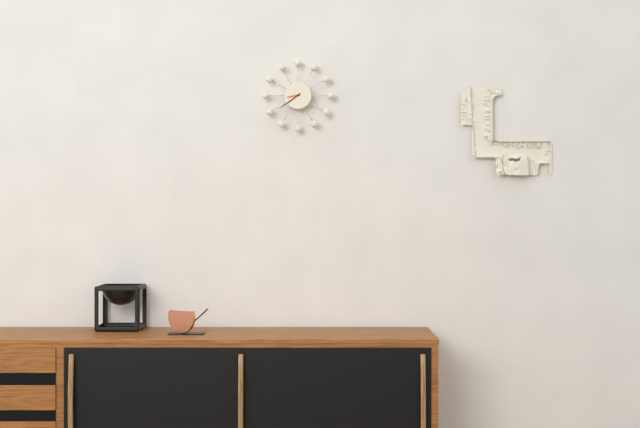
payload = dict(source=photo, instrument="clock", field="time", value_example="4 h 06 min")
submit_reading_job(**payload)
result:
8 h 39 min
